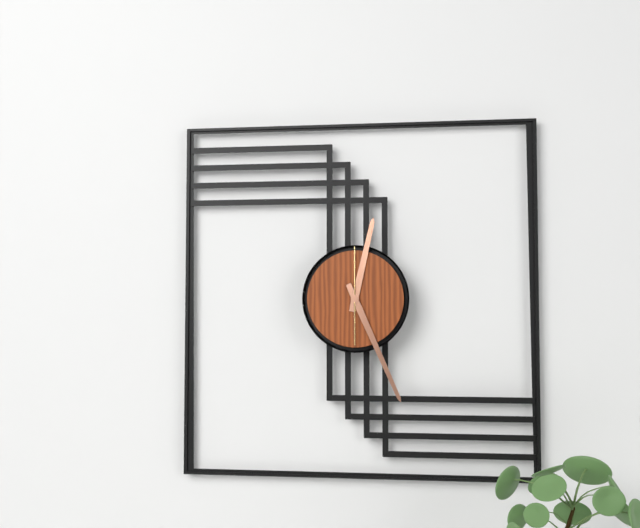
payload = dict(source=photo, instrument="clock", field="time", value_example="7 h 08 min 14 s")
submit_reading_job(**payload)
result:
12 h 26 min 00 s
